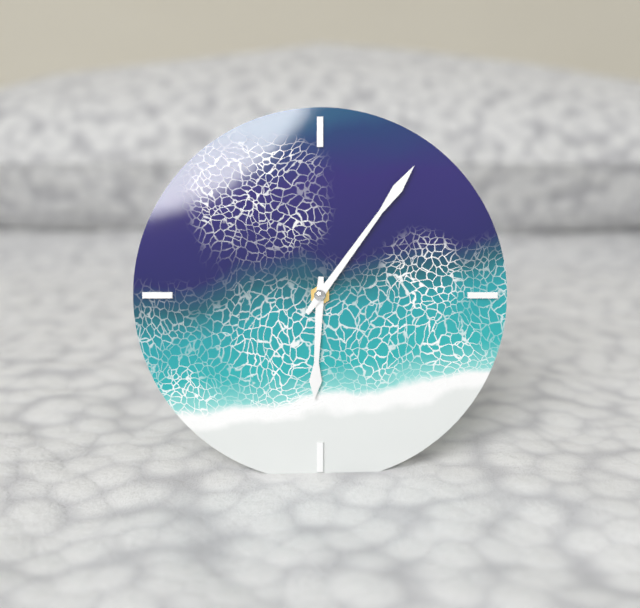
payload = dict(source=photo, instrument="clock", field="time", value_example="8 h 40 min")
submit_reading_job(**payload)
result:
6 h 06 min
